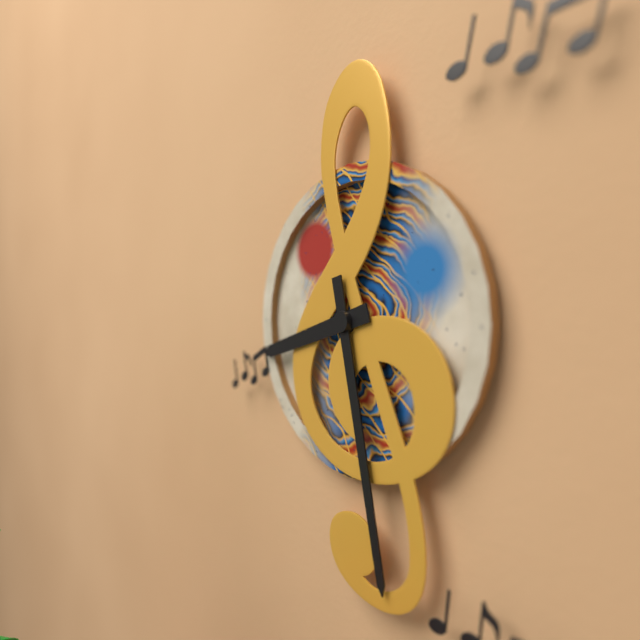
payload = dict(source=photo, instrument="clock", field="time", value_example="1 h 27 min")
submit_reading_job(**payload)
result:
8 h 28 min
